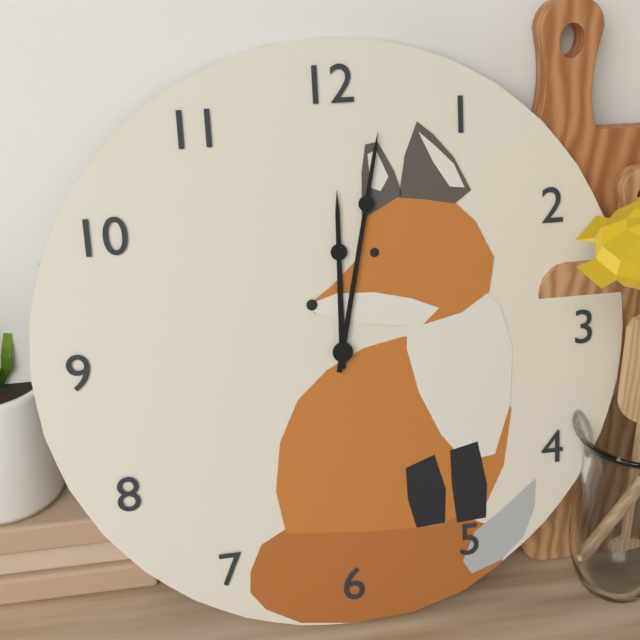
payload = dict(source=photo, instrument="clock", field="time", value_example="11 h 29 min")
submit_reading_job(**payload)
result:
12 h 02 min
